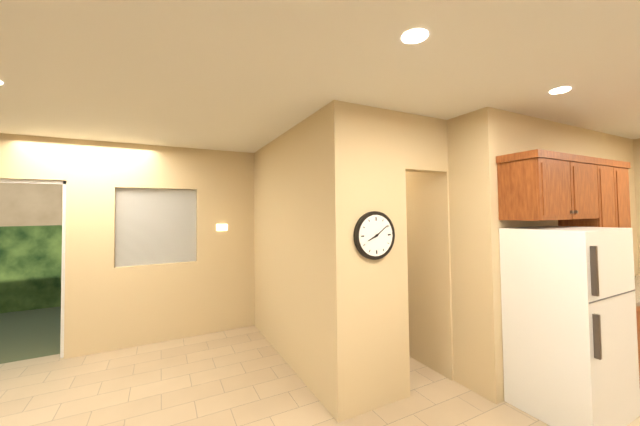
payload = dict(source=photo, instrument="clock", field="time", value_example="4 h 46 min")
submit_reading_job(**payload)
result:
8 h 09 min
